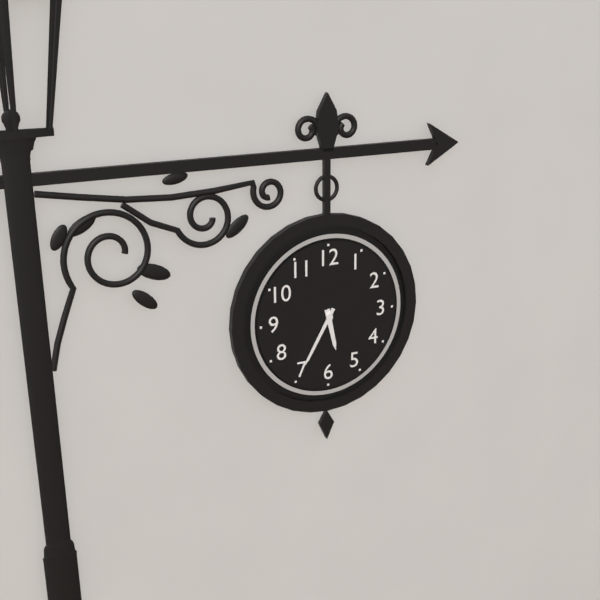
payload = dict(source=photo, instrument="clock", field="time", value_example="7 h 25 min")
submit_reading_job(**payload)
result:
5 h 35 min
